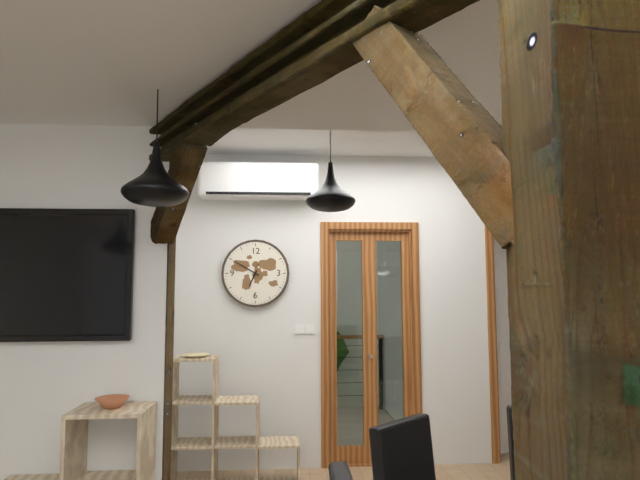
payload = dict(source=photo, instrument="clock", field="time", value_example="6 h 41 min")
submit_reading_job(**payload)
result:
6 h 50 min
